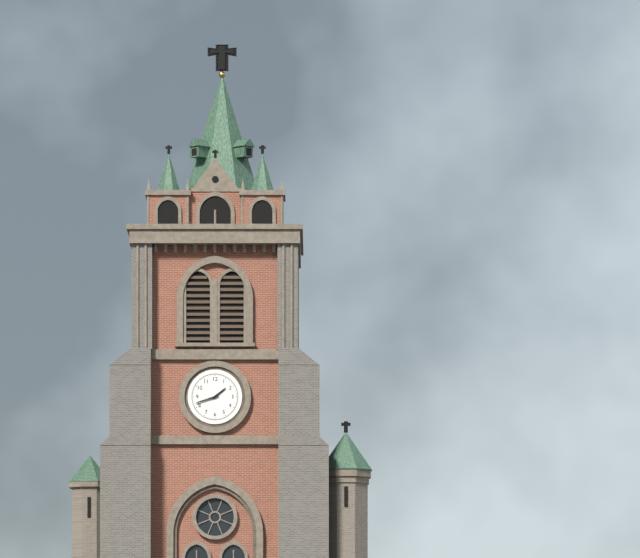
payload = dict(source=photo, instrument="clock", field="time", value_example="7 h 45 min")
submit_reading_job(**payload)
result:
1 h 42 min
